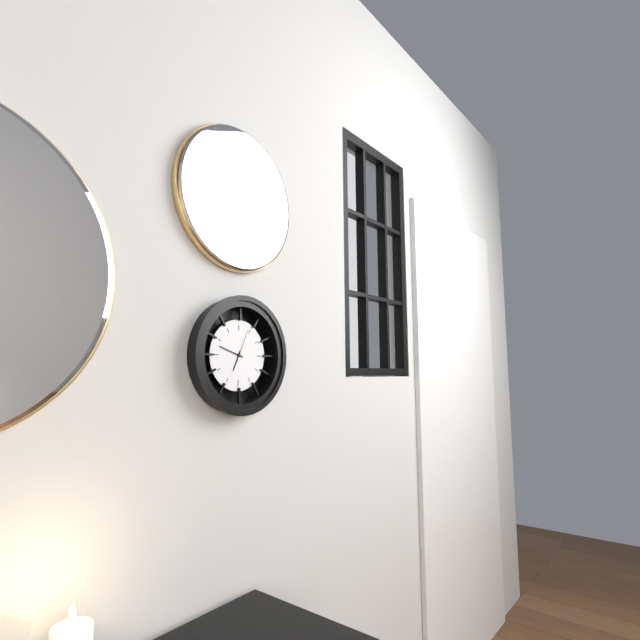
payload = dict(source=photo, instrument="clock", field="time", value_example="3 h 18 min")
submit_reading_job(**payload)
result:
6 h 48 min
